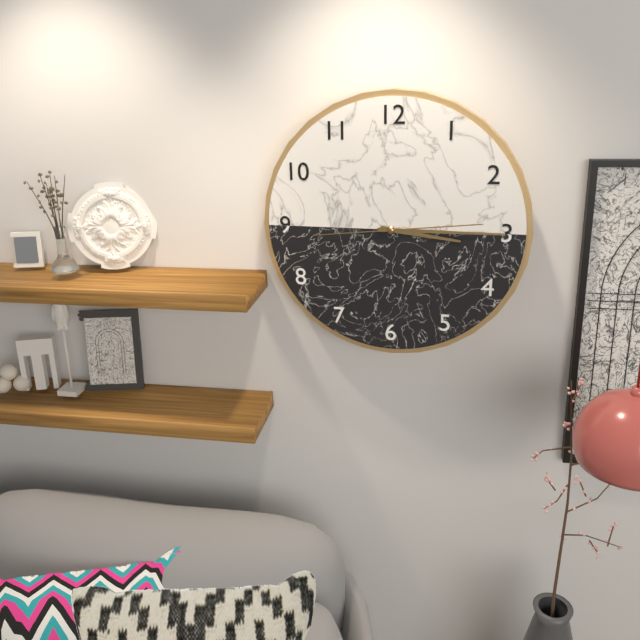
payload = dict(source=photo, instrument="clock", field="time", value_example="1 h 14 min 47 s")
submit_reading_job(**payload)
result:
3 h 15 min 14 s
